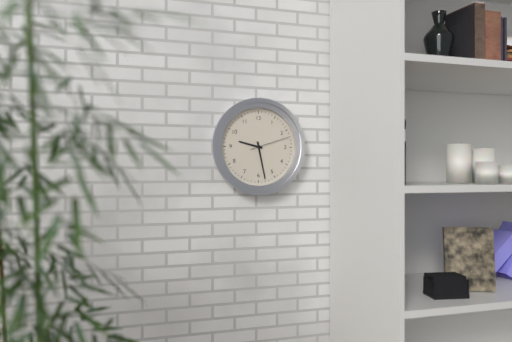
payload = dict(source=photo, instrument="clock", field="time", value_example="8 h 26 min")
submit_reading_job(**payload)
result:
9 h 28 min
